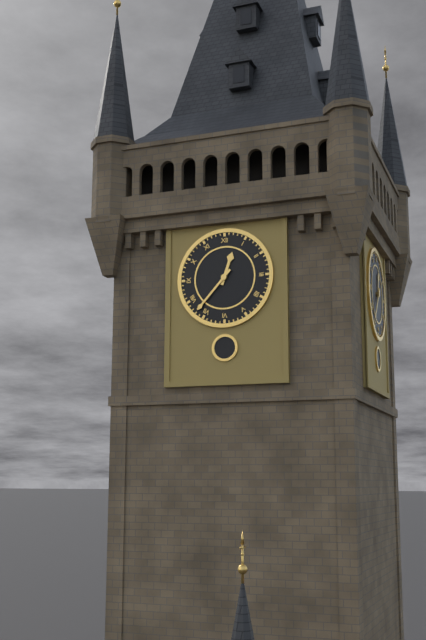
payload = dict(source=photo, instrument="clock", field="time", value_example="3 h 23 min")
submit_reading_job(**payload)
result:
12 h 37 min
